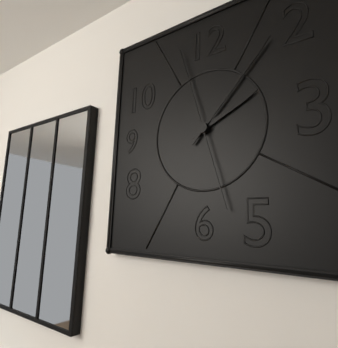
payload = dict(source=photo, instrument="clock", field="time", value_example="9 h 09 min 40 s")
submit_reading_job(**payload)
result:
2 h 07 min 57 s
